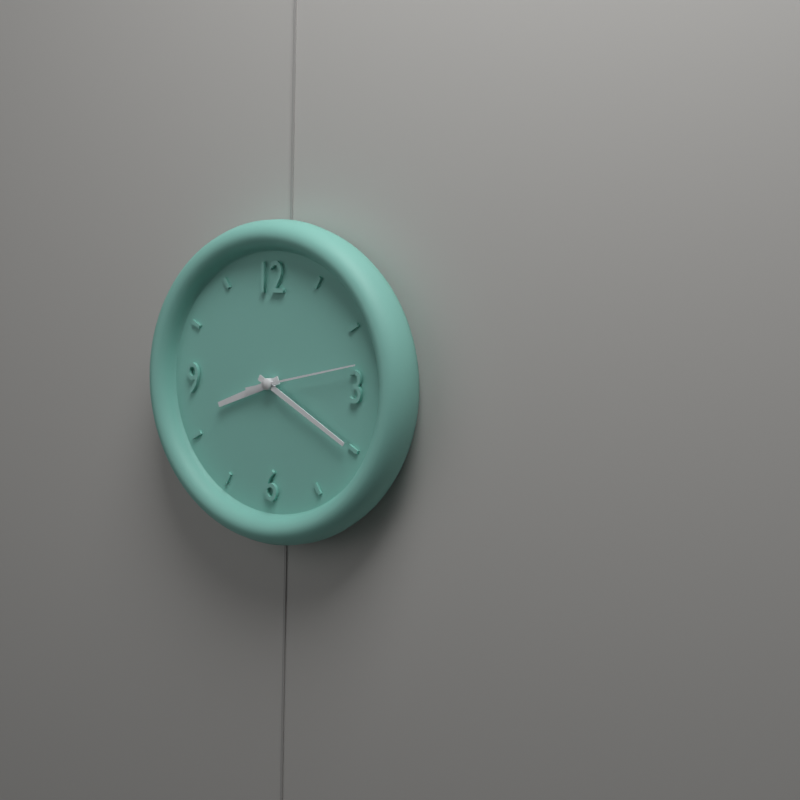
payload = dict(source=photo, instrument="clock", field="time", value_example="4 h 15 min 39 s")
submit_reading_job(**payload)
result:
8 h 20 min 13 s
